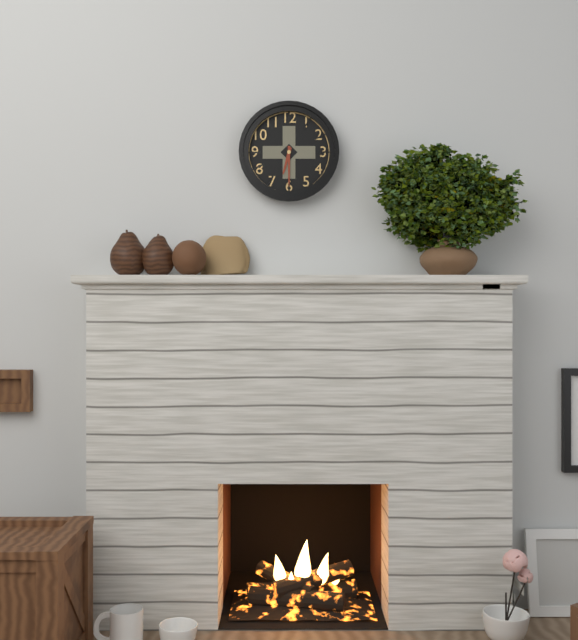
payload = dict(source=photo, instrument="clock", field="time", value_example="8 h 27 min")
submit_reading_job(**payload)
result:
6 h 30 min
